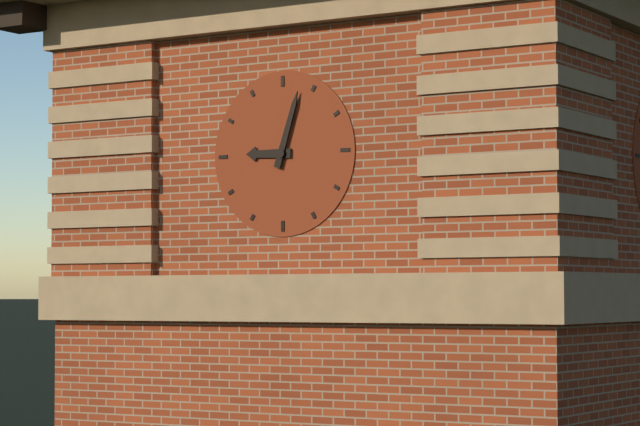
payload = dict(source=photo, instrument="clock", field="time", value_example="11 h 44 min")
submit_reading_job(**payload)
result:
9 h 03 min
